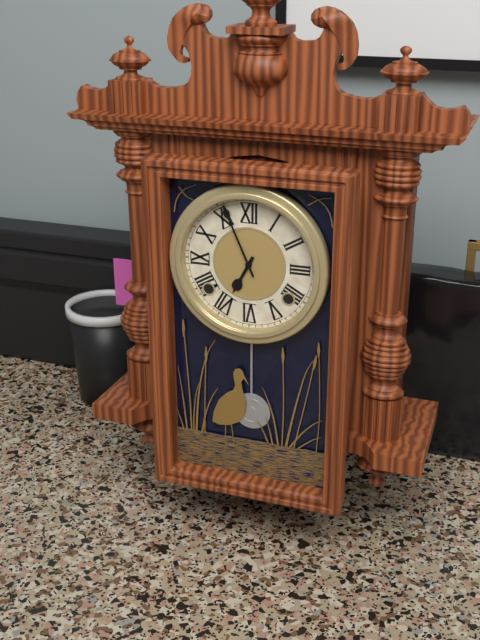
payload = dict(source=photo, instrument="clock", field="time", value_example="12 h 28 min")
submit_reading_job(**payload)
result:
6 h 56 min
